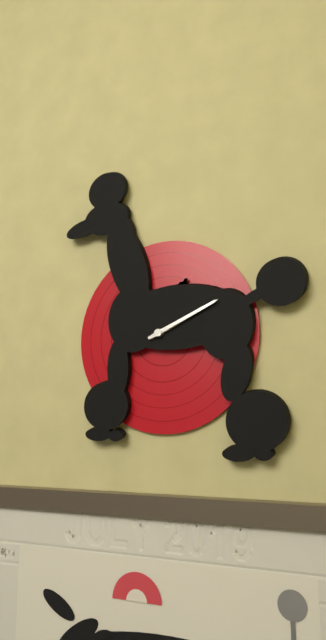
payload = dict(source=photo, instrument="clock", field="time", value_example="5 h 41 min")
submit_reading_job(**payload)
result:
2 h 11 min
